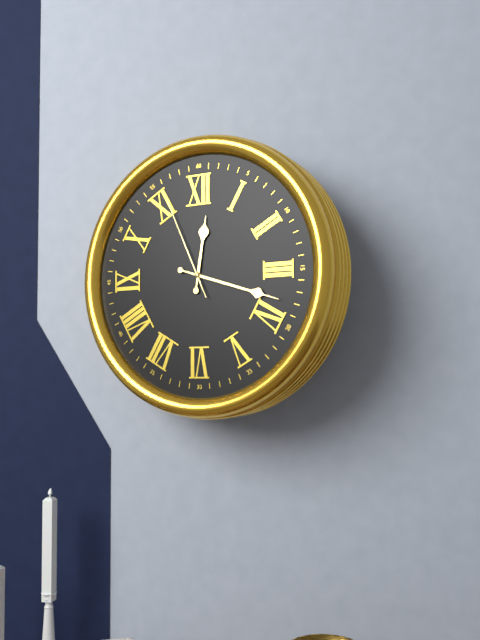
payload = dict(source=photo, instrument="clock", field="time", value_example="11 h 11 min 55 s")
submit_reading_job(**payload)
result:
12 h 18 min 56 s
